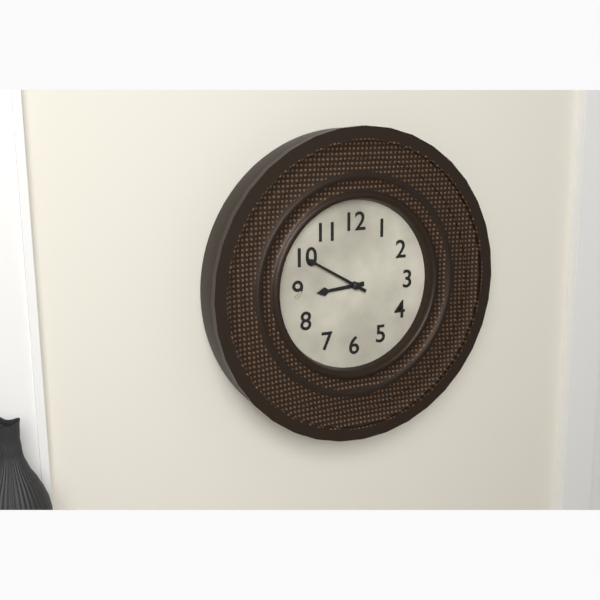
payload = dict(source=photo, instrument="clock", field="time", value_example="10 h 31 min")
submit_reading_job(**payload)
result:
8 h 50 min
